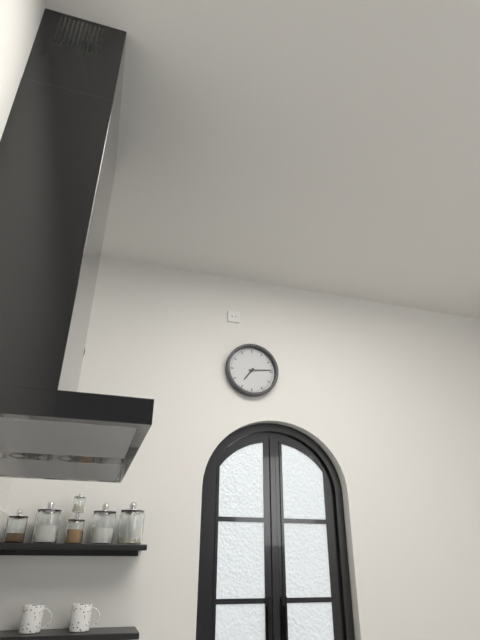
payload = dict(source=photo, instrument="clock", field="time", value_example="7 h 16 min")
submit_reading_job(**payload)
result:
7 h 14 min
